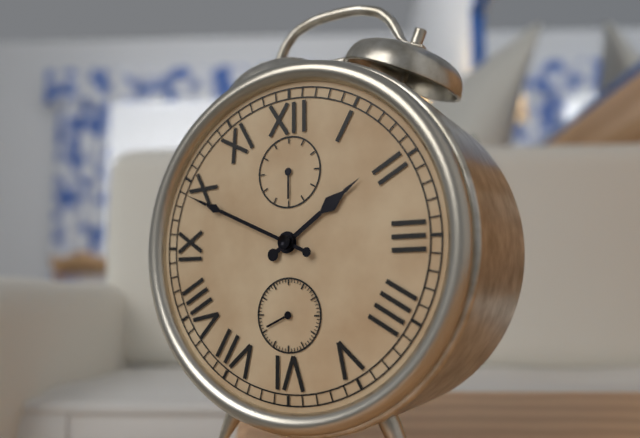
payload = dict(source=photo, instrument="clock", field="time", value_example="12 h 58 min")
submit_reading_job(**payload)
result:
1 h 49 min
